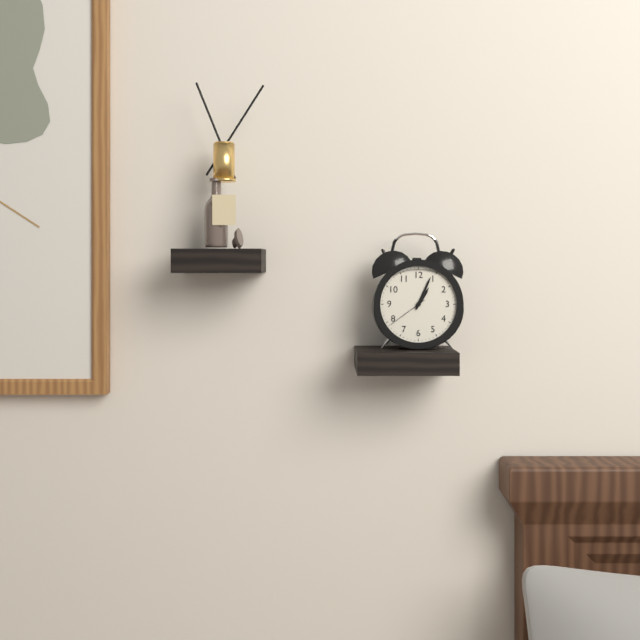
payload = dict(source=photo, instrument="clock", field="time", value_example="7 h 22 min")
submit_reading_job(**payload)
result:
1 h 04 min
